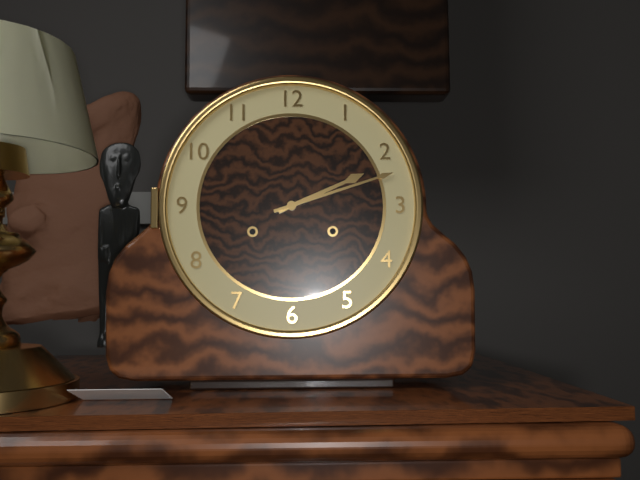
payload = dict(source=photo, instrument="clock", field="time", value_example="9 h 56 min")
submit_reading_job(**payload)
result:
2 h 12 min
